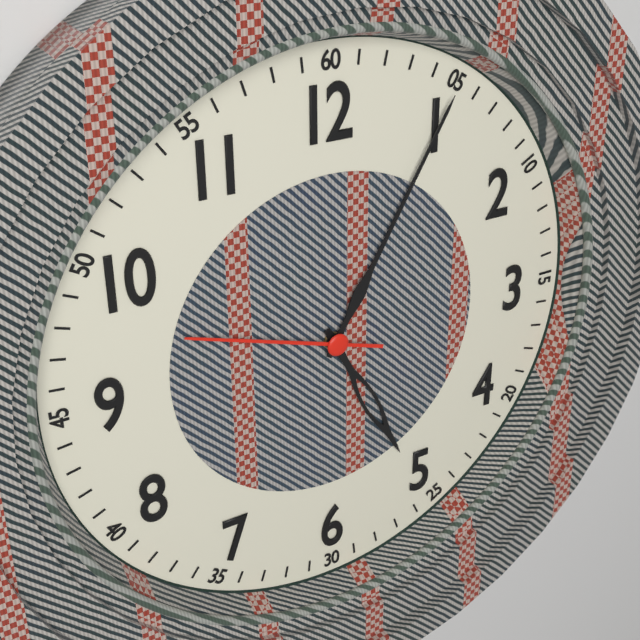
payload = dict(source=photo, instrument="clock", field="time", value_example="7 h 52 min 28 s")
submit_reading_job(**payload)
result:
5 h 05 min 48 s
